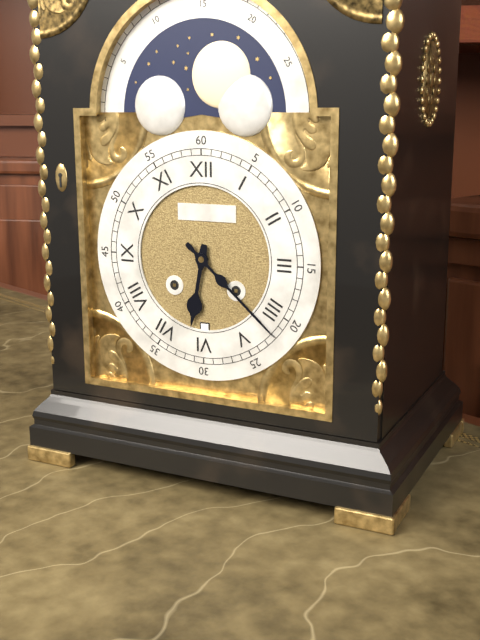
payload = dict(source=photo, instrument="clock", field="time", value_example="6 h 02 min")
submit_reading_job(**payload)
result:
6 h 22 min
